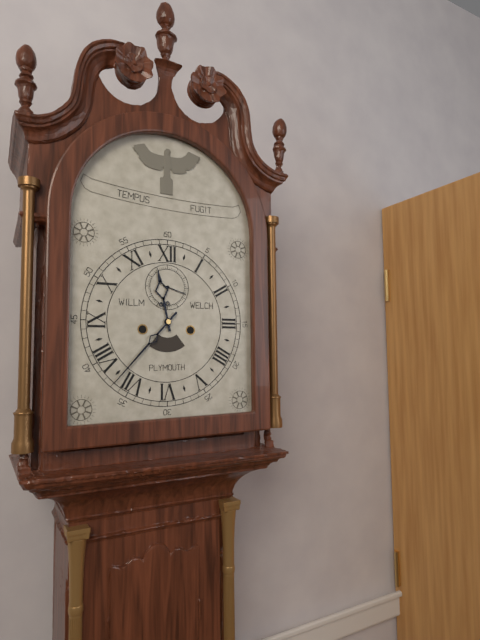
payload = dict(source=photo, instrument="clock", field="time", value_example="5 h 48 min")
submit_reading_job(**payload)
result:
11 h 37 min
